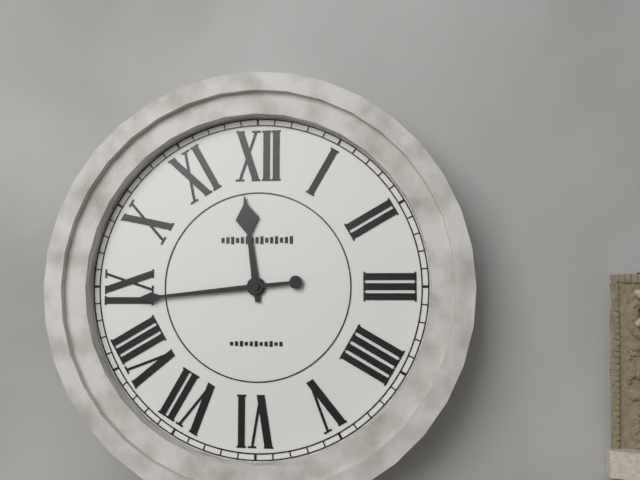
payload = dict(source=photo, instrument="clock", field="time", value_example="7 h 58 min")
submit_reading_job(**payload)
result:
11 h 44 min
